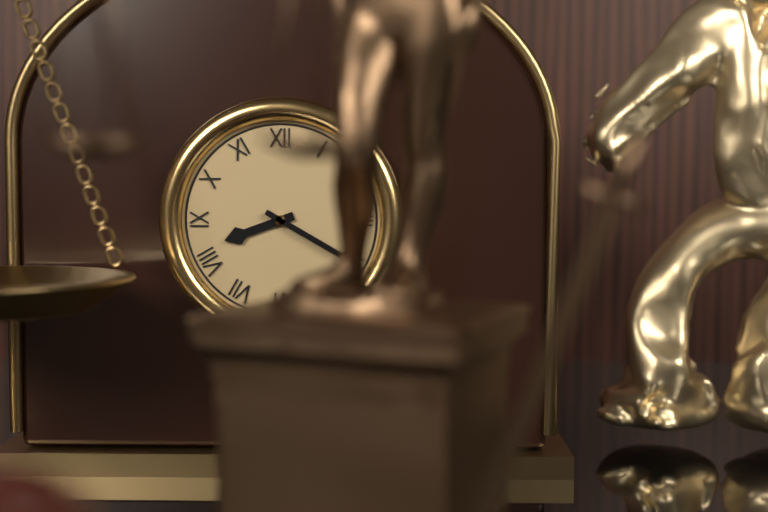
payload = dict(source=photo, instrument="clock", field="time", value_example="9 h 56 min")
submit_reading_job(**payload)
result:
8 h 20 min
